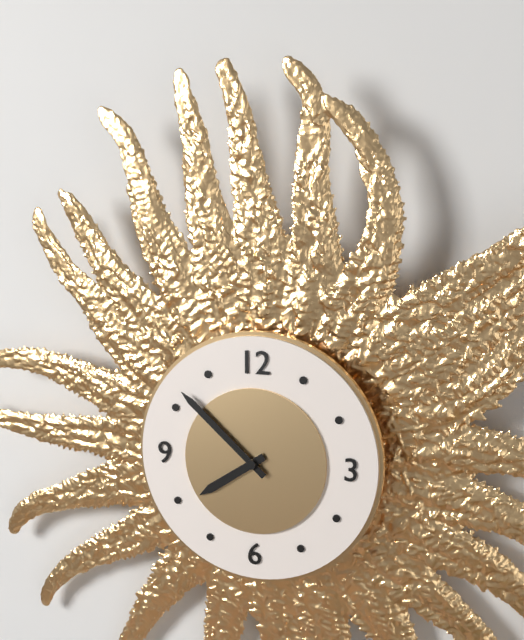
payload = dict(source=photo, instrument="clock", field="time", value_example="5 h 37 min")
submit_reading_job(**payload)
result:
7 h 52 min
